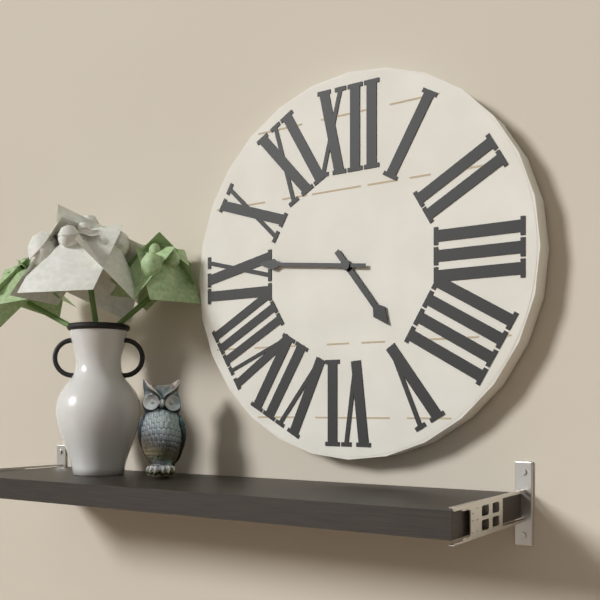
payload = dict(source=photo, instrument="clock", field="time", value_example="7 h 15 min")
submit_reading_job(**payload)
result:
4 h 46 min
